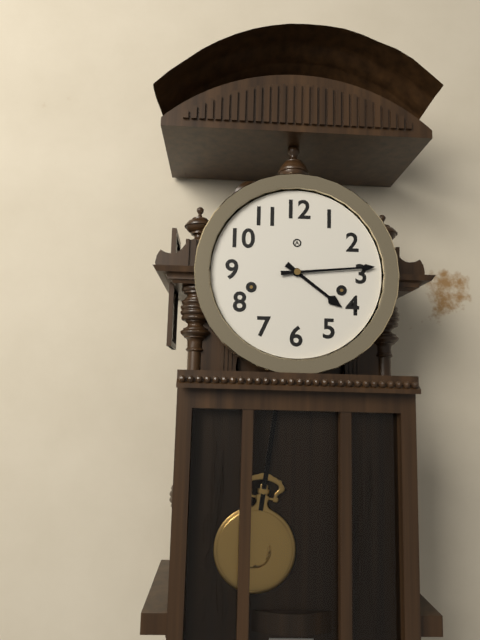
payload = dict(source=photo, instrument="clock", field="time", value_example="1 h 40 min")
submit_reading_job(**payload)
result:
4 h 14 min
